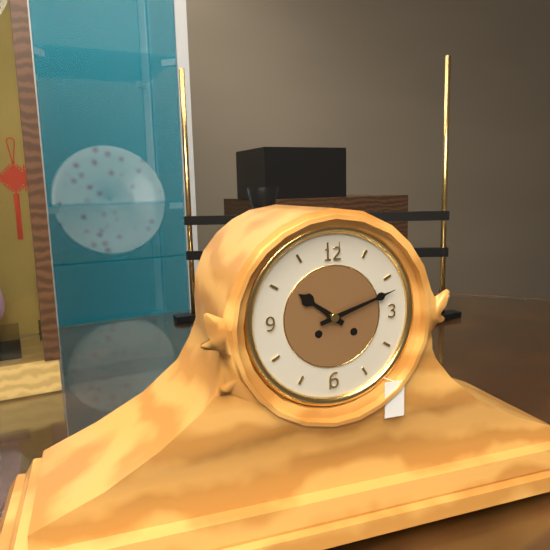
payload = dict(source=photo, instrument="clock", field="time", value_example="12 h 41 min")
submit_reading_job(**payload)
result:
10 h 12 min
